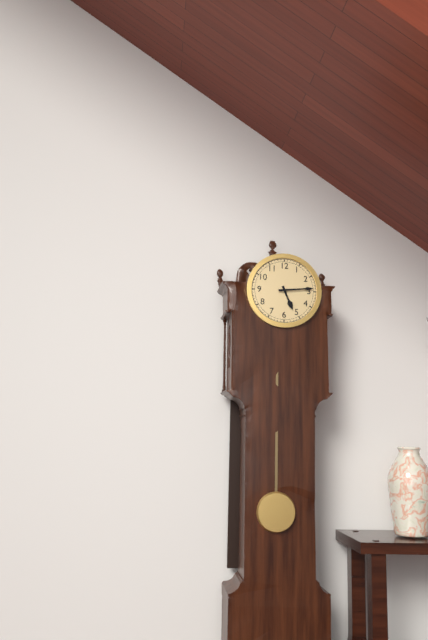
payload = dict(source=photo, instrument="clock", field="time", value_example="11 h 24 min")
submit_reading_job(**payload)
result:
5 h 14 min
